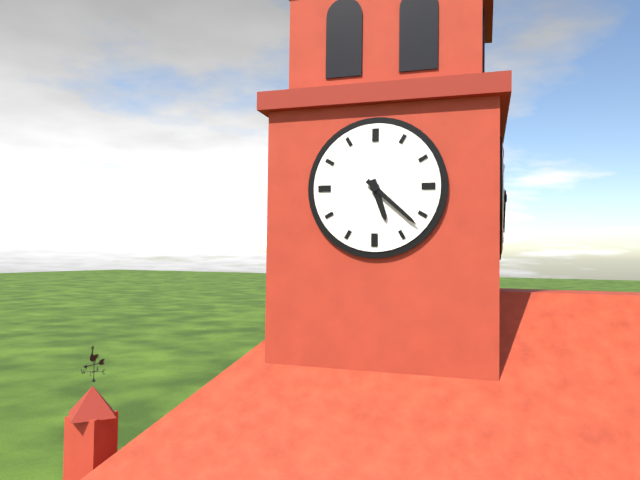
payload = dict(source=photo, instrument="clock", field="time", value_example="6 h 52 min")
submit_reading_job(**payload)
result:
5 h 22 min
